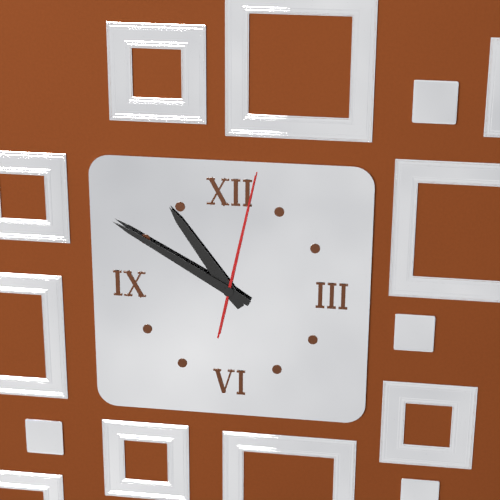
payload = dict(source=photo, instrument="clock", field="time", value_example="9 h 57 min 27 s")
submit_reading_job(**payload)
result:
10 h 50 min 02 s
